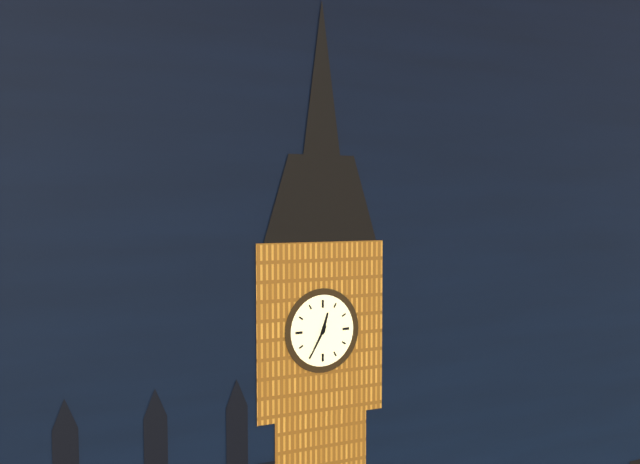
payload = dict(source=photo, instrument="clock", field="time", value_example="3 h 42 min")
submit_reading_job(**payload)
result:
12 h 35 min
